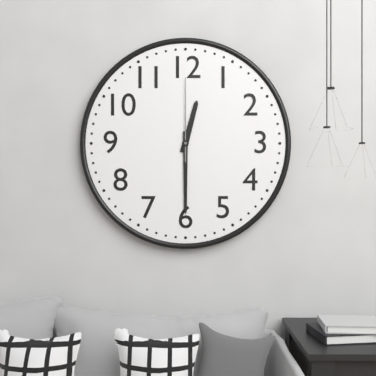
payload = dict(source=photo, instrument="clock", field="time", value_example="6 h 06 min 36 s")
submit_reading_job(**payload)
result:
12 h 30 min 00 s
